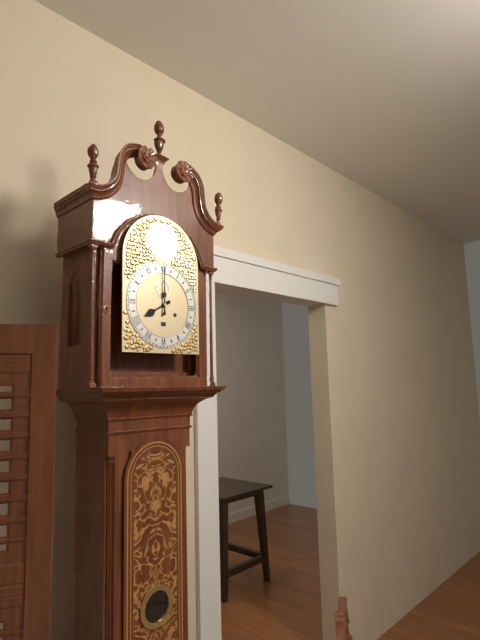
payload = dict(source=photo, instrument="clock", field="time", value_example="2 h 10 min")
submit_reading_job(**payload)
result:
8 h 00 min
